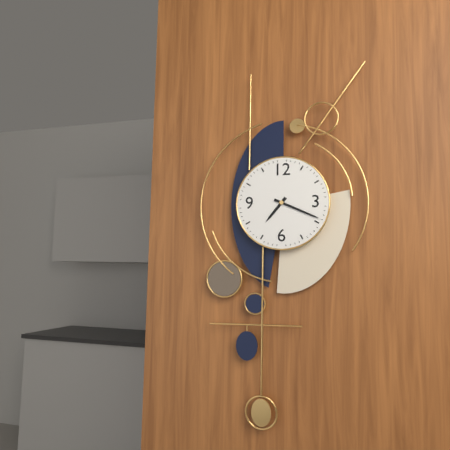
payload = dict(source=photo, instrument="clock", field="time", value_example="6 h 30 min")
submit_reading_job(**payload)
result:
7 h 19 min
